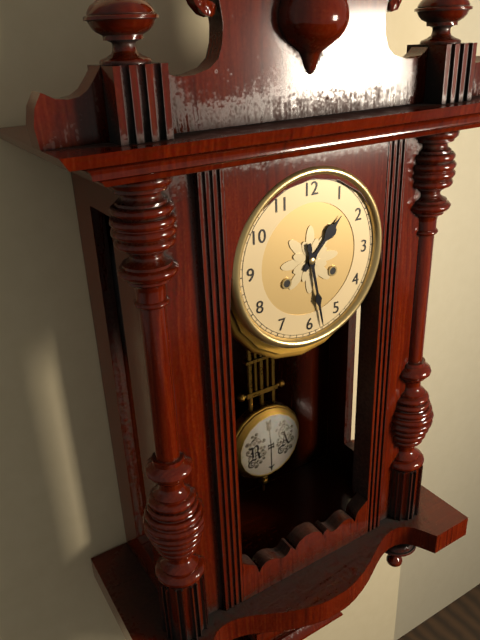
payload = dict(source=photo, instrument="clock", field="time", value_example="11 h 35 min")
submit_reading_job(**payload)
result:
1 h 28 min
